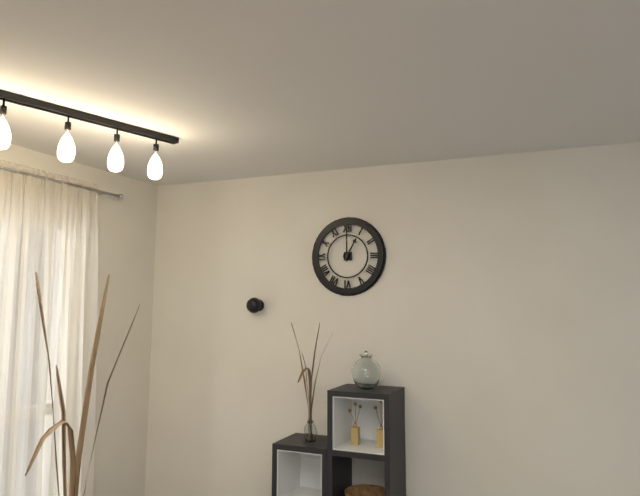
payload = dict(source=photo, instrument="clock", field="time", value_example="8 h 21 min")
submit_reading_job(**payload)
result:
1 h 00 min
